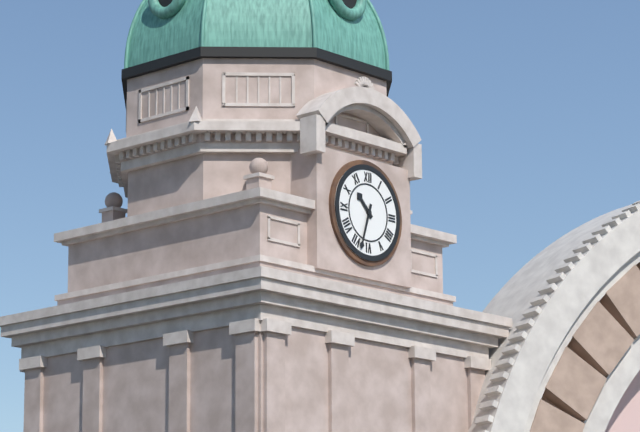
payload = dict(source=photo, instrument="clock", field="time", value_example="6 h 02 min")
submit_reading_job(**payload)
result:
10 h 33 min
